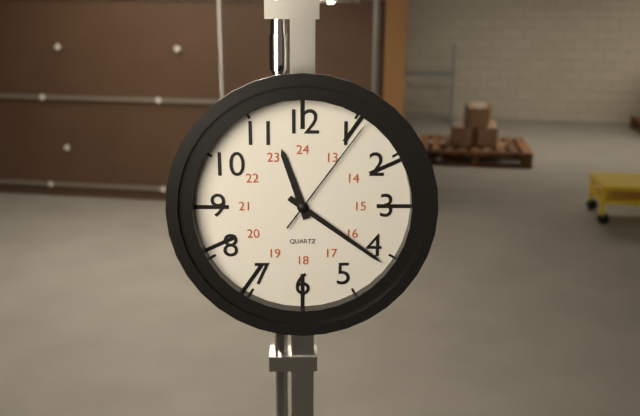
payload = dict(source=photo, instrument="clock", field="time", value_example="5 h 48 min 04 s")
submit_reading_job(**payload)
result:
11 h 21 min 06 s
